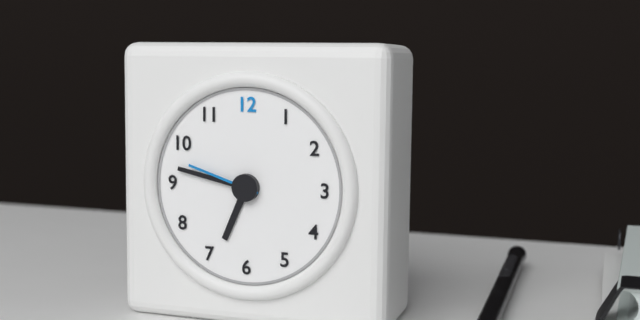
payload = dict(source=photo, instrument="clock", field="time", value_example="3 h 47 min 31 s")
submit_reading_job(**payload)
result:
6 h 47 min 48 s
